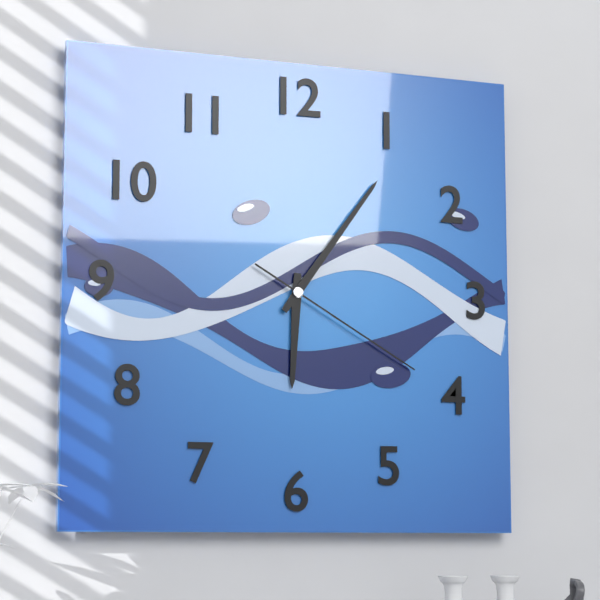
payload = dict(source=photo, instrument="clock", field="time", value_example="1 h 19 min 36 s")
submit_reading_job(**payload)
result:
6 h 06 min 20 s
